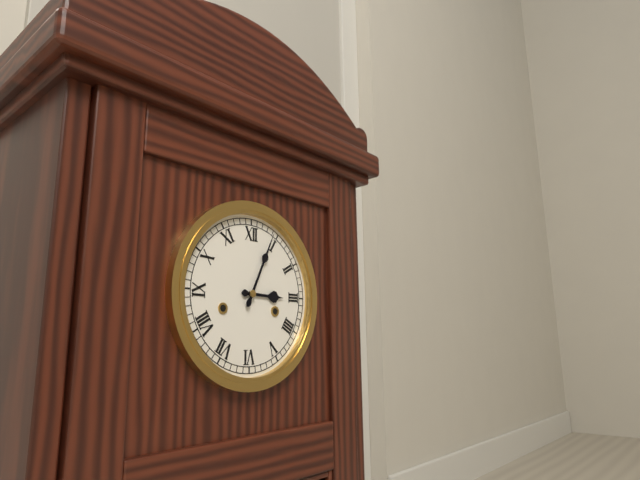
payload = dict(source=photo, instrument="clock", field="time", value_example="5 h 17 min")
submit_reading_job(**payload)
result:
3 h 04 min
